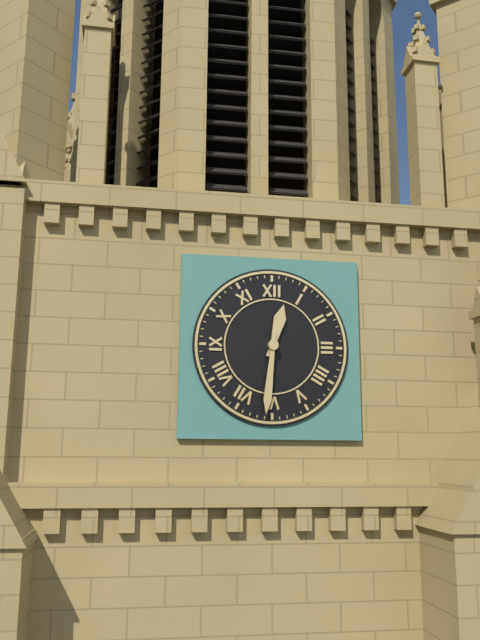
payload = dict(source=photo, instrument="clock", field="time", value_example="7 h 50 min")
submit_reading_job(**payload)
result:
12 h 31 min
